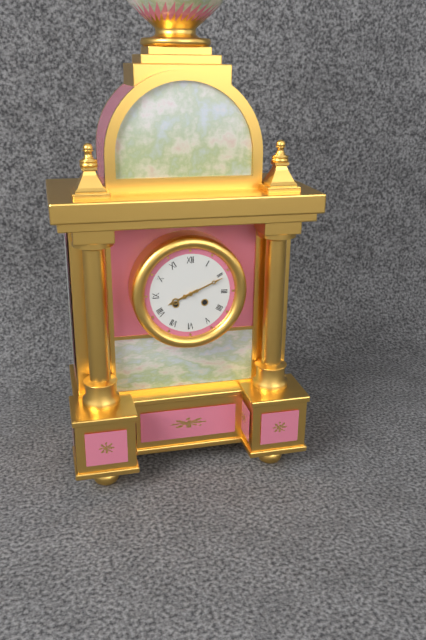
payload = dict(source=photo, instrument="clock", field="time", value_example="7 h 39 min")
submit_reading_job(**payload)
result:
8 h 11 min
